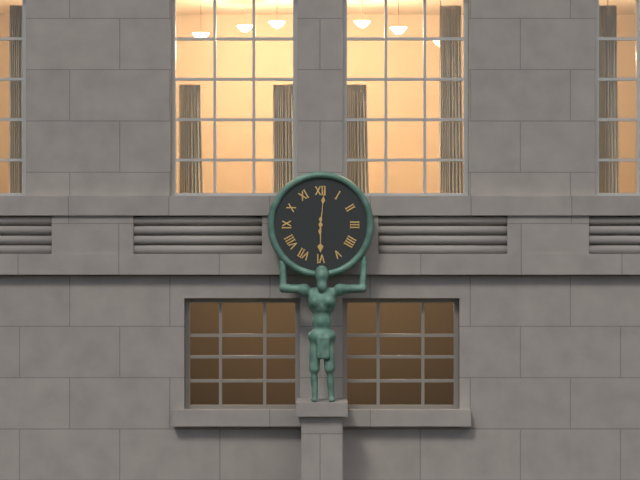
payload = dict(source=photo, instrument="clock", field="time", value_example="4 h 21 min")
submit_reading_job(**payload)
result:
6 h 01 min
